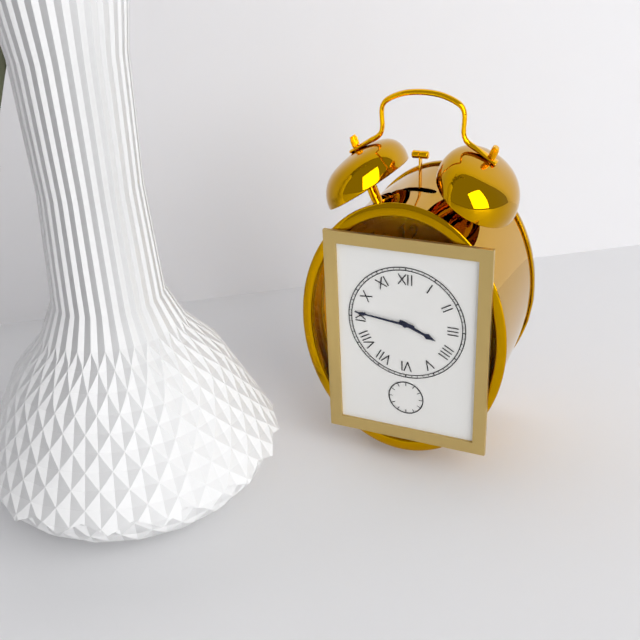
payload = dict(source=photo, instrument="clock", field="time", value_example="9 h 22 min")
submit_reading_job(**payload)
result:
3 h 46 min
